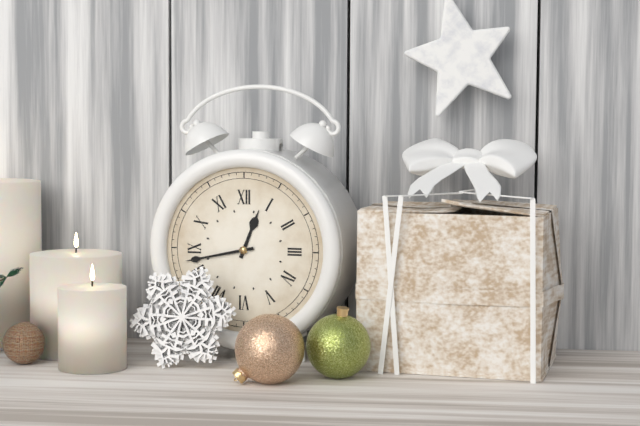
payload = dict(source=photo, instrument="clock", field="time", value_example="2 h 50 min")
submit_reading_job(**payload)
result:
12 h 43 min
